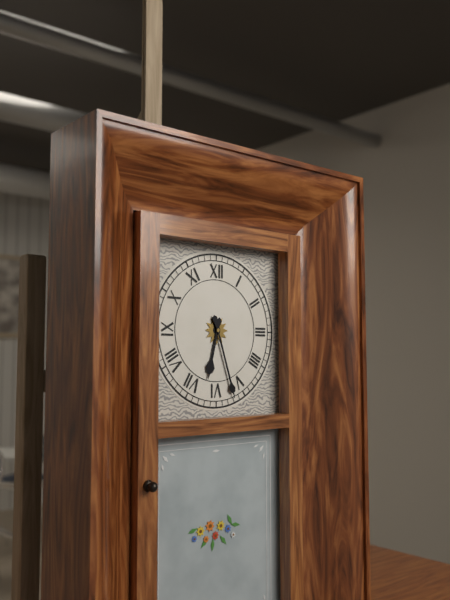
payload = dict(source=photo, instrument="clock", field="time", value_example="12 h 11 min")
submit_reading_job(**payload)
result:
6 h 27 min
